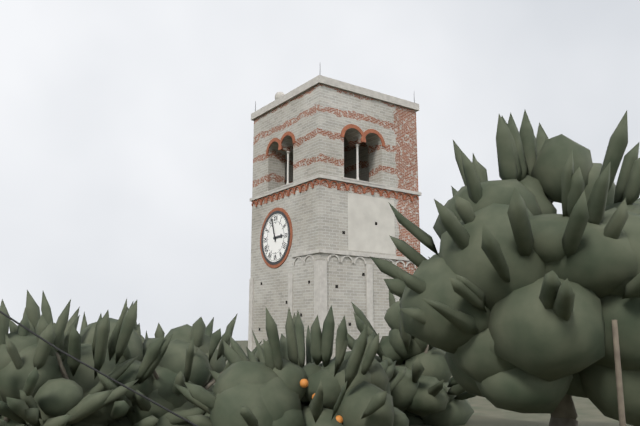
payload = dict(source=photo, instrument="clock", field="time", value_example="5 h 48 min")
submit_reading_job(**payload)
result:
2 h 57 min
